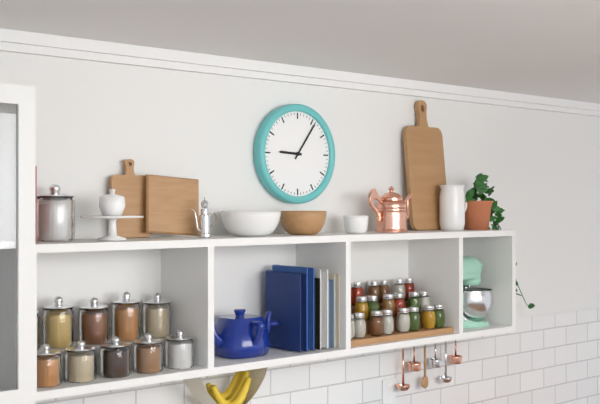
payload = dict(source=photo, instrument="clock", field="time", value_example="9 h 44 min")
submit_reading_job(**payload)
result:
9 h 06 min
